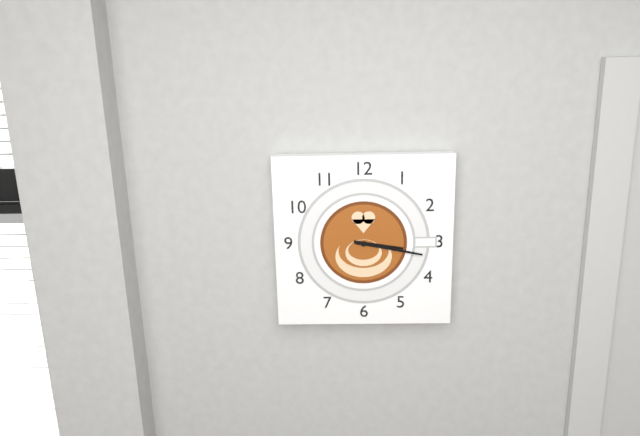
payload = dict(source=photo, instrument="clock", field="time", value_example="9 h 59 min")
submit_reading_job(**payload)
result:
3 h 17 min
